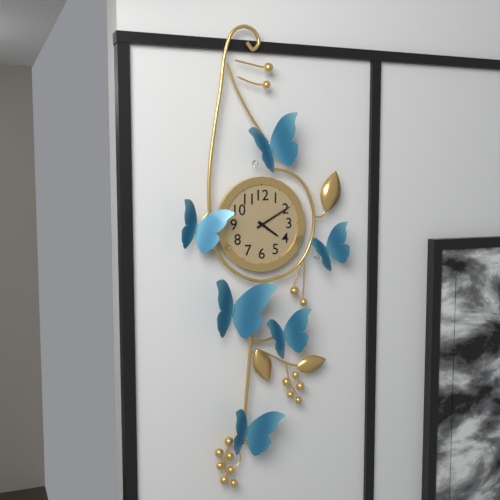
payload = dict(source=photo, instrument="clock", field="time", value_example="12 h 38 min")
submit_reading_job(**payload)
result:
4 h 10 min
